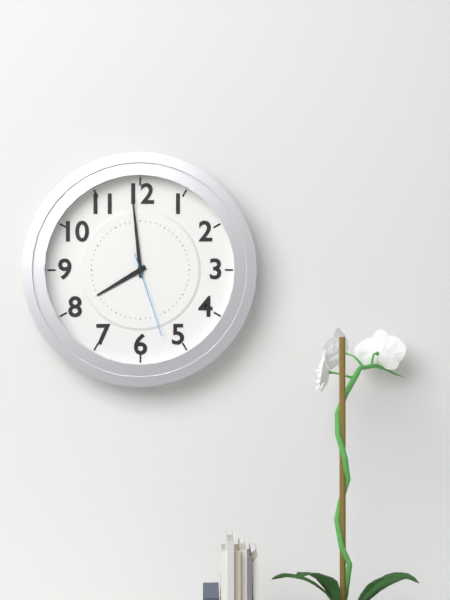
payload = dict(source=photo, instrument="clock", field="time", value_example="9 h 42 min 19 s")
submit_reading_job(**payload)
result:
7 h 59 min 27 s
